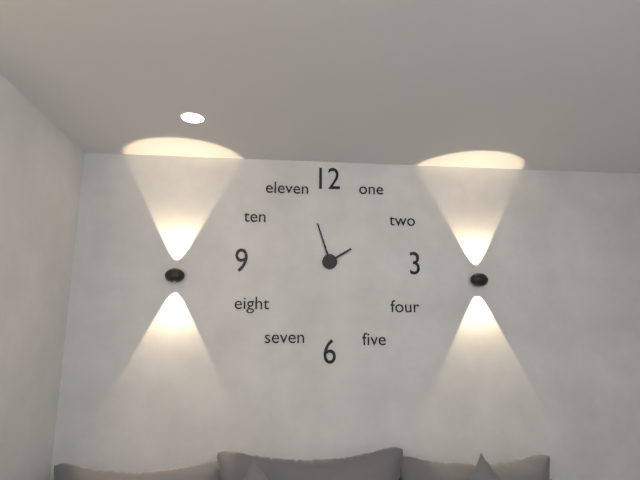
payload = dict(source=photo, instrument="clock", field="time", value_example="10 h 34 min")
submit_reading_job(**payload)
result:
1 h 57 min
